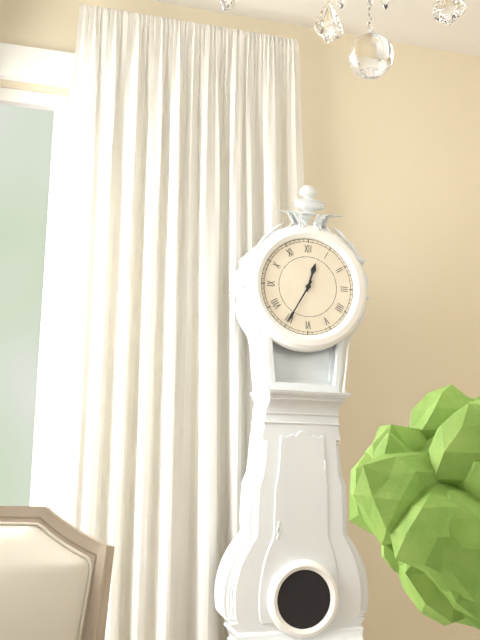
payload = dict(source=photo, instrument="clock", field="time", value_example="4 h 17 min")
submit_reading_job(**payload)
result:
12 h 35 min
